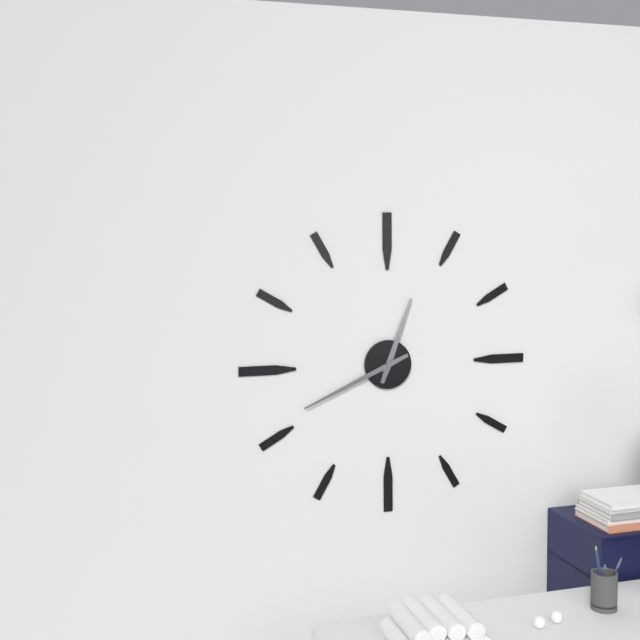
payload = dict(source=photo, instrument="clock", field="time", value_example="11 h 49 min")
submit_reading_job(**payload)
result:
12 h 41 min
